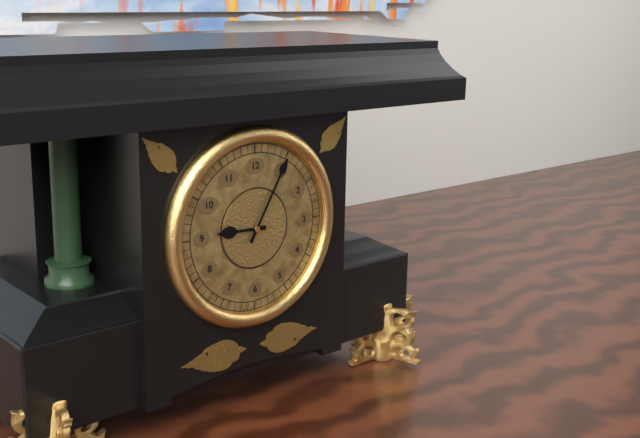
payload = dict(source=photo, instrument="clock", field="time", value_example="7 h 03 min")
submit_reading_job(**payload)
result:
9 h 05 min
